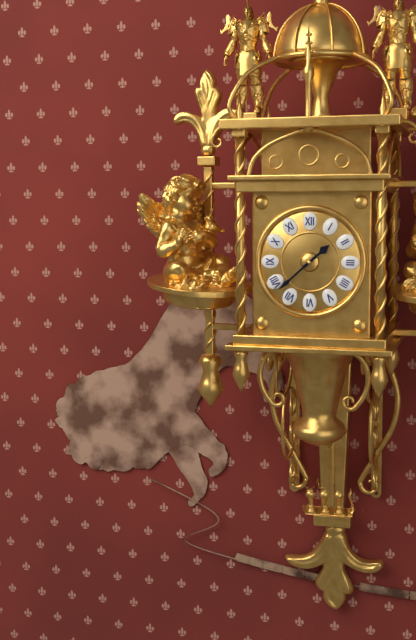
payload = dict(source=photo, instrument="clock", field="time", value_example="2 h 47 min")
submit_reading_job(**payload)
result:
1 h 38 min
